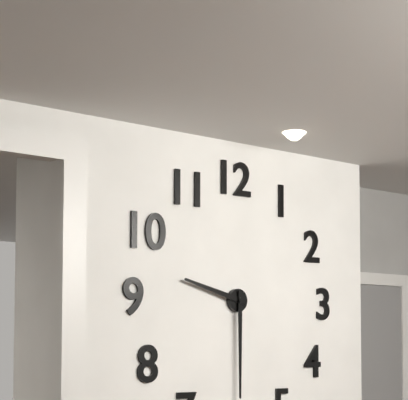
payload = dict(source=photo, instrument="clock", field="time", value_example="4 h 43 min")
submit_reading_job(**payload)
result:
9 h 30 min
